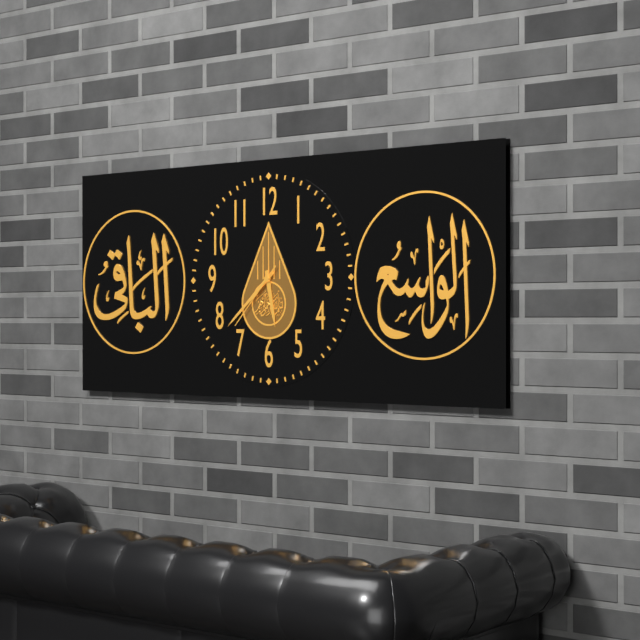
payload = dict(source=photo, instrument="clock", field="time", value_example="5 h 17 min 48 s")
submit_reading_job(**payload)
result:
5 h 38 min 37 s
